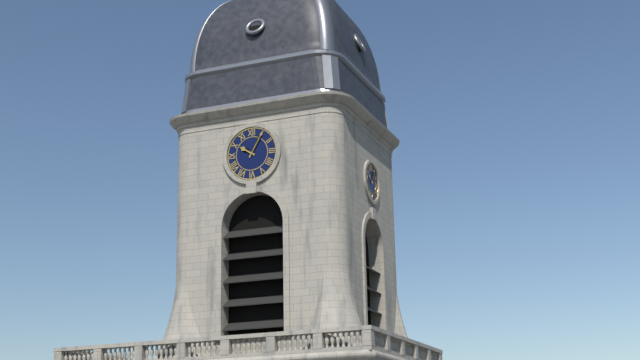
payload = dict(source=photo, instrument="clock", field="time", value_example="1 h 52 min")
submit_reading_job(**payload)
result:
10 h 05 min
